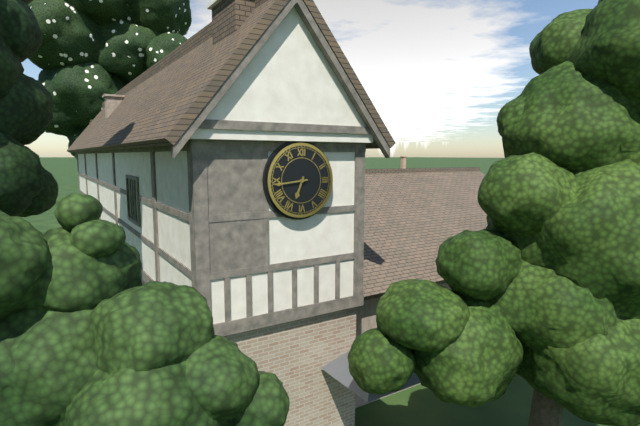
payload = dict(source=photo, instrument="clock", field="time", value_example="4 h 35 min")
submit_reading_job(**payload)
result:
6 h 44 min
